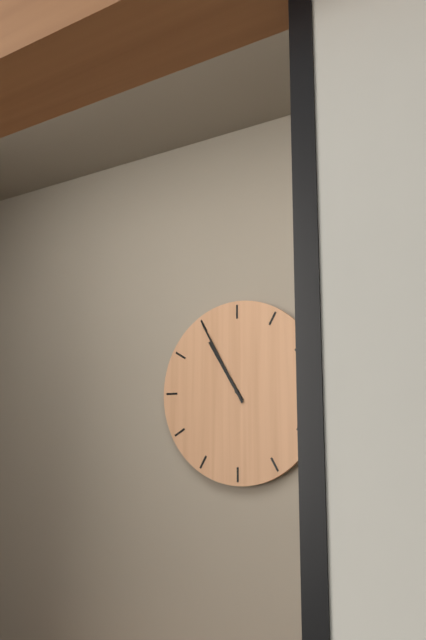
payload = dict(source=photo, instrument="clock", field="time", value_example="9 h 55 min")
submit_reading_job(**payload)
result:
10 h 55 min
